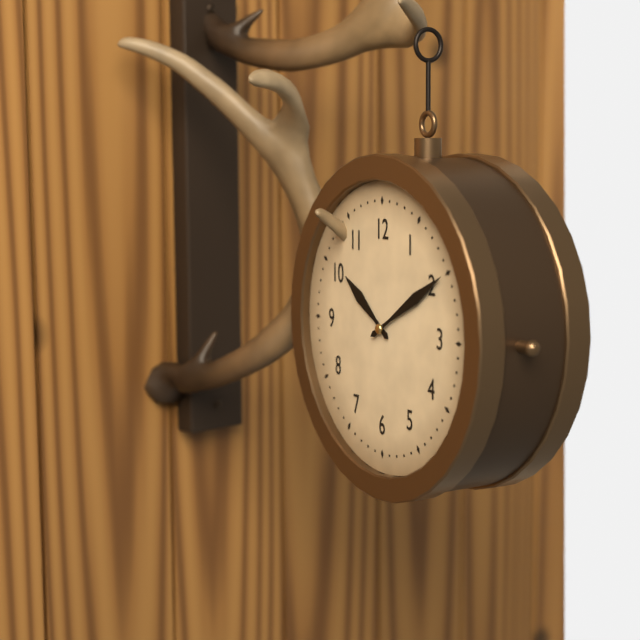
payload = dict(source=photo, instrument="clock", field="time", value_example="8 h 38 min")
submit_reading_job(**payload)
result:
10 h 10 min
